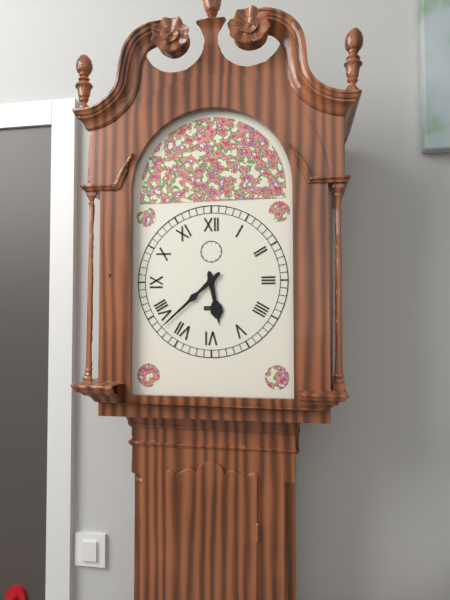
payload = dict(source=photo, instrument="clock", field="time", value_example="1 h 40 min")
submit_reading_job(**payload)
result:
5 h 38 min
